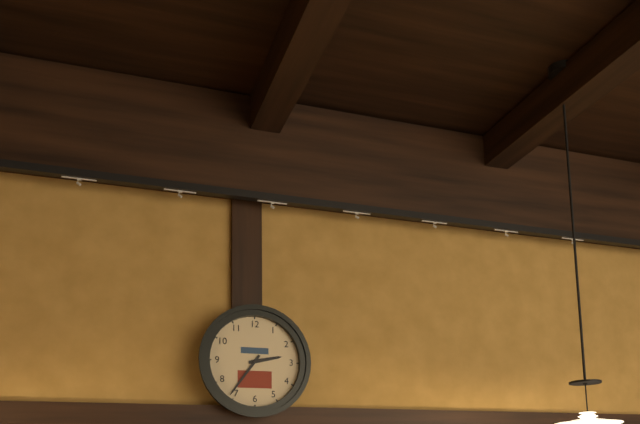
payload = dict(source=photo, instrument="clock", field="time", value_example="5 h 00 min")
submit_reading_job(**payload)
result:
2 h 36 min
